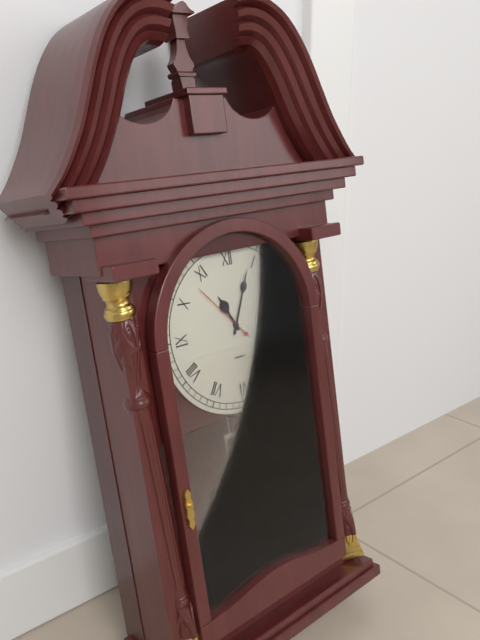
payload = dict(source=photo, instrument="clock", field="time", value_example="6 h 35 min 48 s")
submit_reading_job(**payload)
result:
11 h 04 min 53 s
